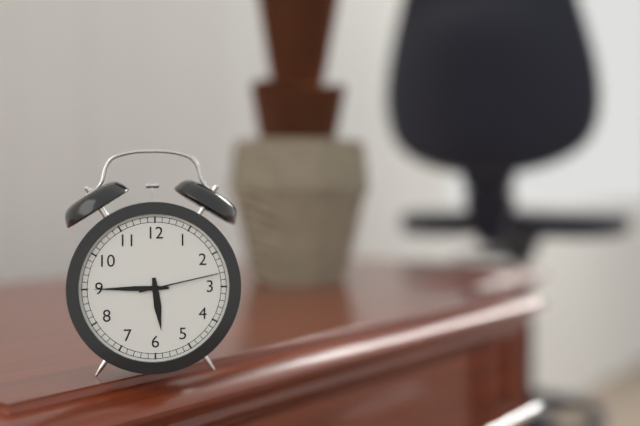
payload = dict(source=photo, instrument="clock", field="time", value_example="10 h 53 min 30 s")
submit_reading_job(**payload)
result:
5 h 45 min 13 s
